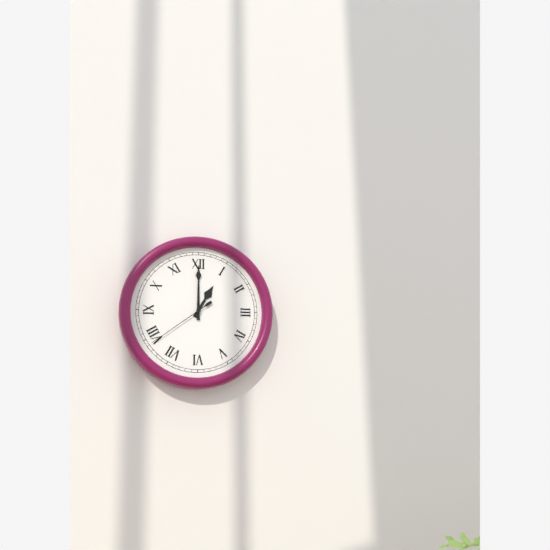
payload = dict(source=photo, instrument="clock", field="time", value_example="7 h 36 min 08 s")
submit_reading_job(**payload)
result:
1 h 00 min 39 s
